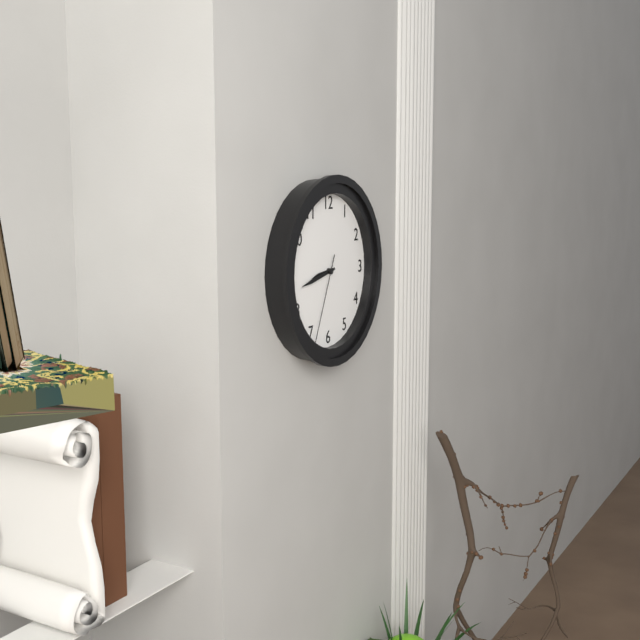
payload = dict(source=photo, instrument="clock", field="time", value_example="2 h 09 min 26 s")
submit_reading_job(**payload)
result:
8 h 43 min 34 s
